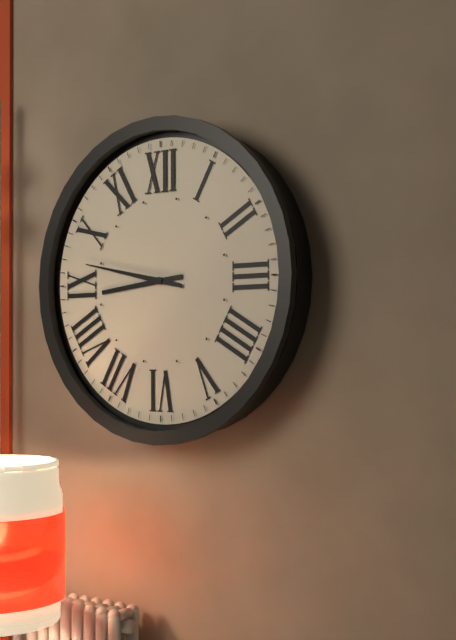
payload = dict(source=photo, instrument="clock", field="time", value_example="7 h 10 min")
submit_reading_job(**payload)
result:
8 h 47 min
